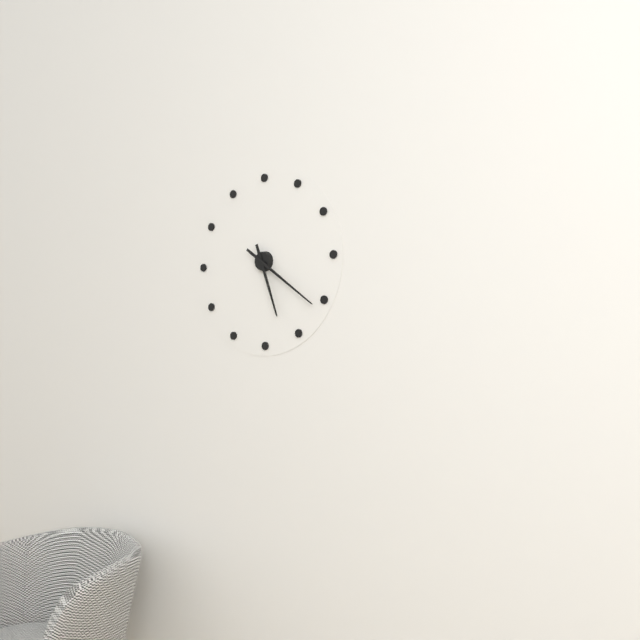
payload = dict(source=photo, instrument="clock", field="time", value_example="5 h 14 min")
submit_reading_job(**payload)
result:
5 h 21 min
